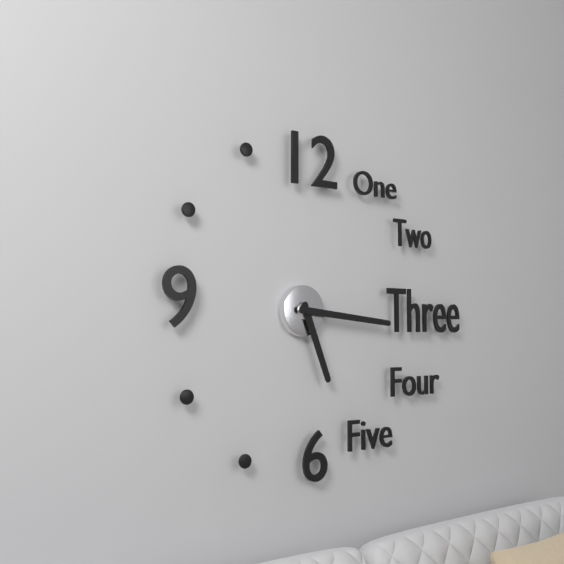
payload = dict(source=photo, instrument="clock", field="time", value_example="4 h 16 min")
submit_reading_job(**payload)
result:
5 h 16 min
